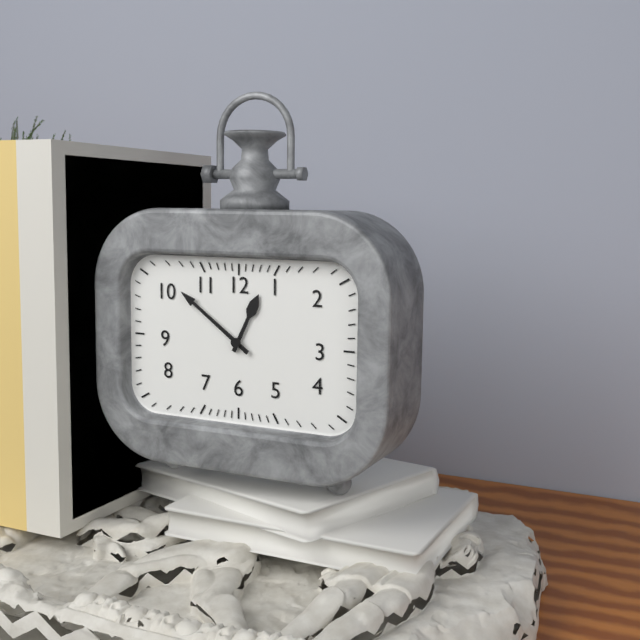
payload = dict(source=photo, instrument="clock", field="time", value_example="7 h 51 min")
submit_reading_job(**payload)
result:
12 h 51 min
